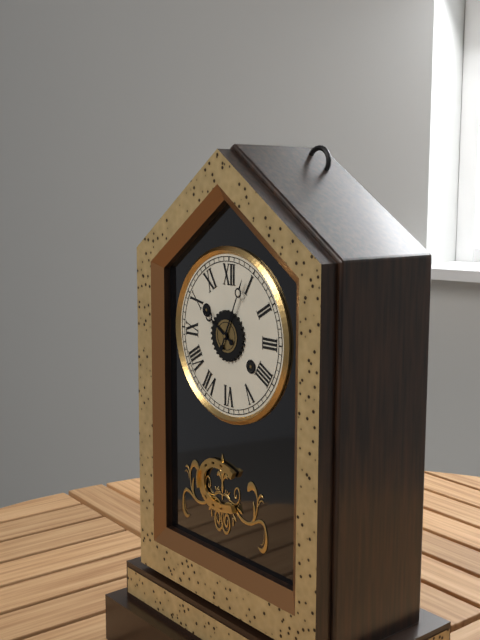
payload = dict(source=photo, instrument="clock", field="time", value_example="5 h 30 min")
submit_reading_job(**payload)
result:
10 h 04 min
